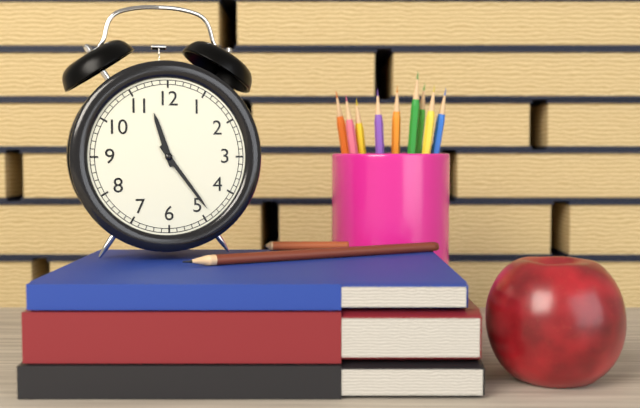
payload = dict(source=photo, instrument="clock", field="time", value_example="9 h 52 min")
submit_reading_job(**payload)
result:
11 h 24 min
